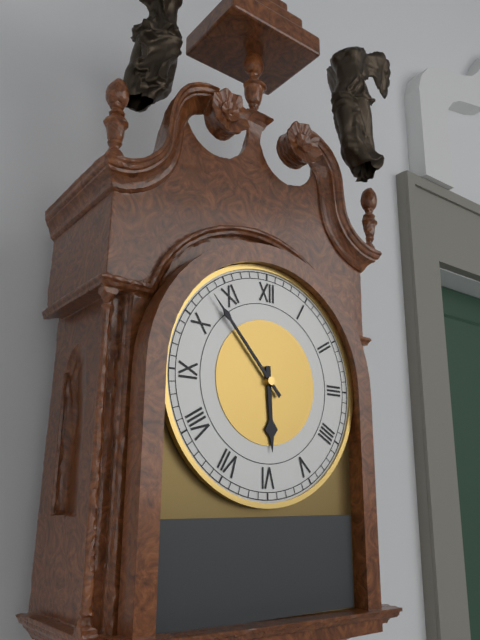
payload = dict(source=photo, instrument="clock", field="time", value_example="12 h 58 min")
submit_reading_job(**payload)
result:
5 h 53 min
